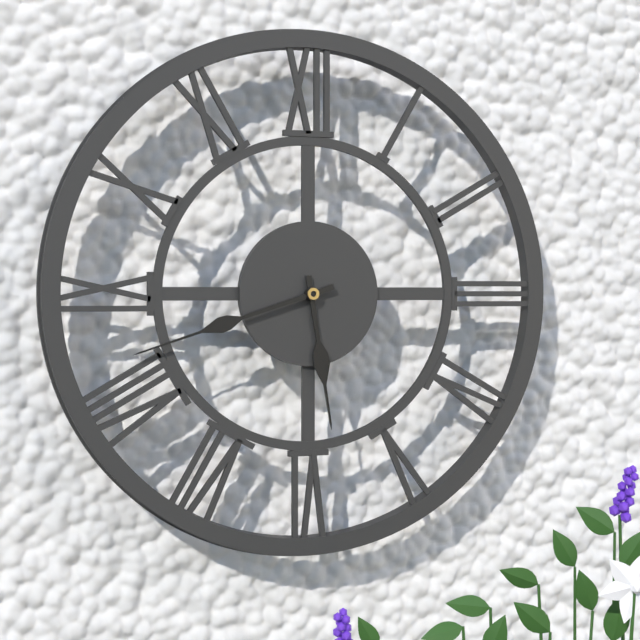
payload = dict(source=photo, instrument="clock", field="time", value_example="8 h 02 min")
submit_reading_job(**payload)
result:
5 h 42 min
